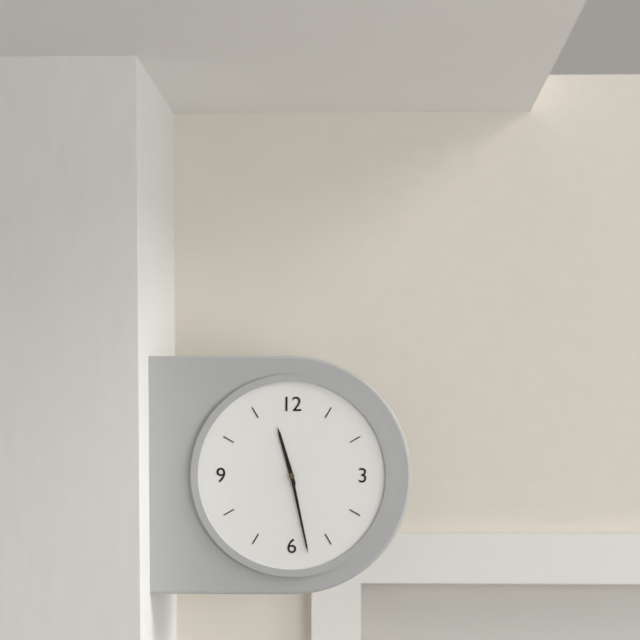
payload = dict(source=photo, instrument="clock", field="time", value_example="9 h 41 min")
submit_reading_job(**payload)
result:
11 h 28 min
